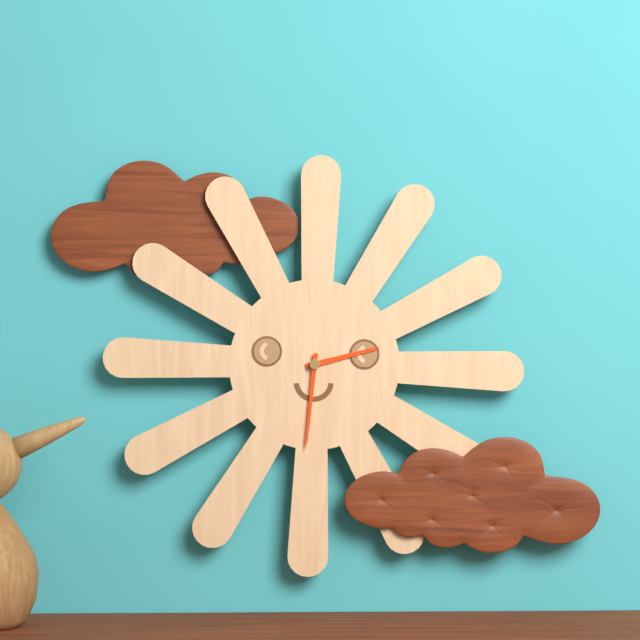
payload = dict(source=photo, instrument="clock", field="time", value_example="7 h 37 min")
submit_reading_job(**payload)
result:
2 h 31 min
